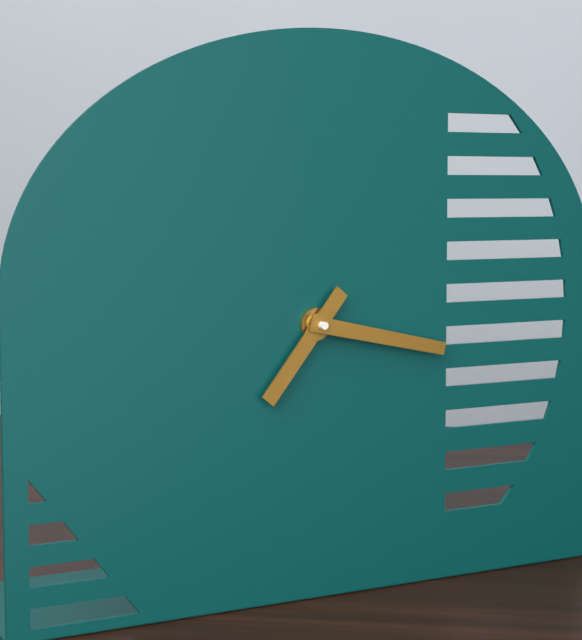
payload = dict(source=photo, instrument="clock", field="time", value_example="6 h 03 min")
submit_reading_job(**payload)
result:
7 h 17 min
